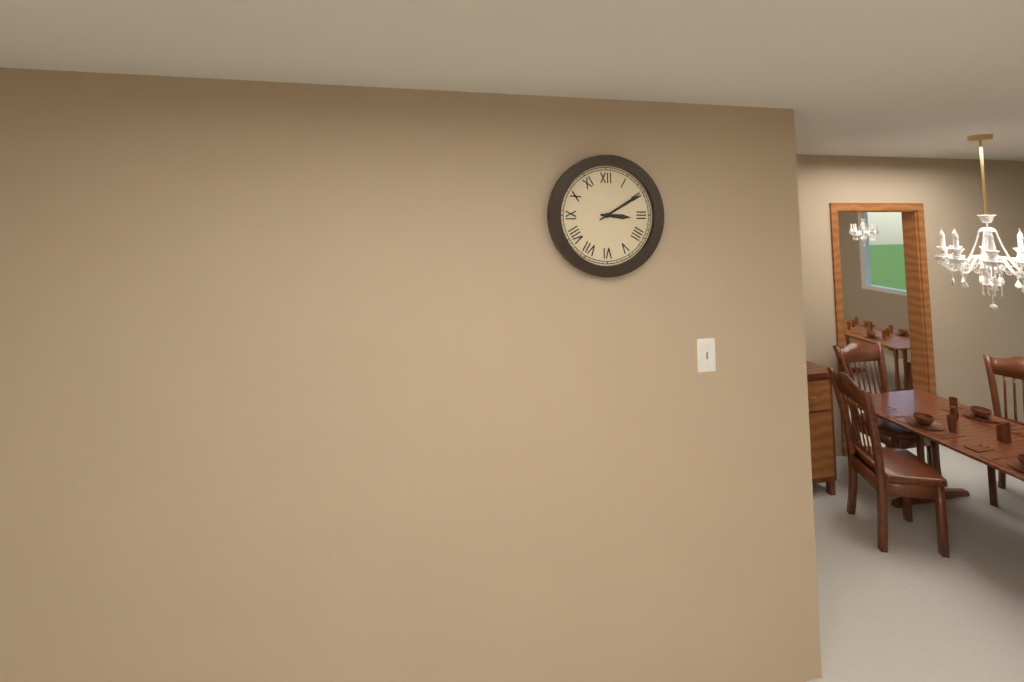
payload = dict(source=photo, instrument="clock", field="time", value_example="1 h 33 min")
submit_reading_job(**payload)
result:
3 h 10 min
